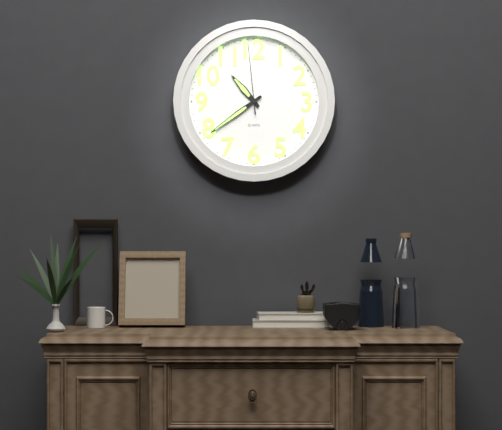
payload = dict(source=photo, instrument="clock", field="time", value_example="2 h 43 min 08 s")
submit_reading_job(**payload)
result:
10 h 39 min 59 s
